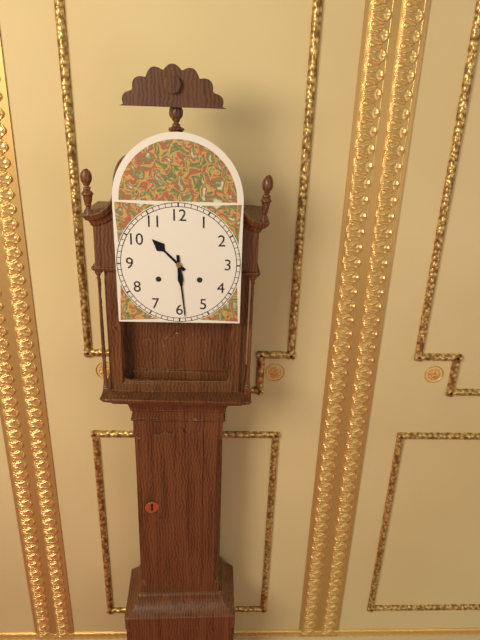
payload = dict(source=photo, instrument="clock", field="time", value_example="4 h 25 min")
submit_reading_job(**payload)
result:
10 h 29 min
